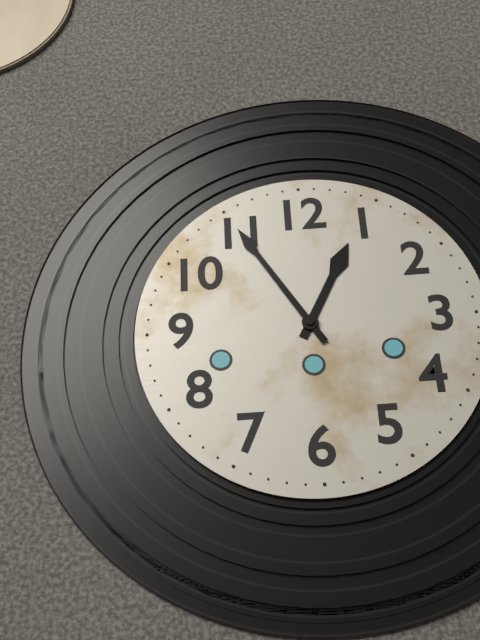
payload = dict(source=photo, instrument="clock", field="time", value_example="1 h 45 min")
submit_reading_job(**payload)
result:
12 h 55 min
